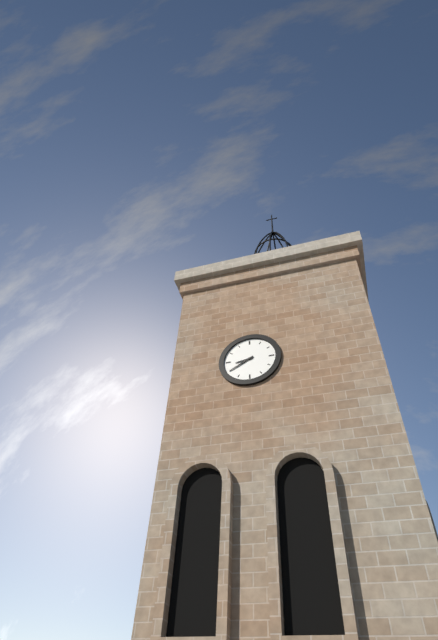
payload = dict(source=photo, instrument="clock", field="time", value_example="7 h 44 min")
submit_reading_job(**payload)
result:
8 h 40 min
